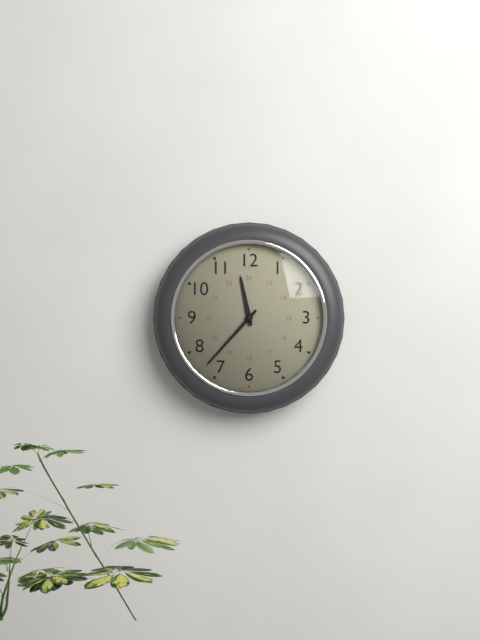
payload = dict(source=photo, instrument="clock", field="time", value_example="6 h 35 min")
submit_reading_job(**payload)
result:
11 h 37 min
